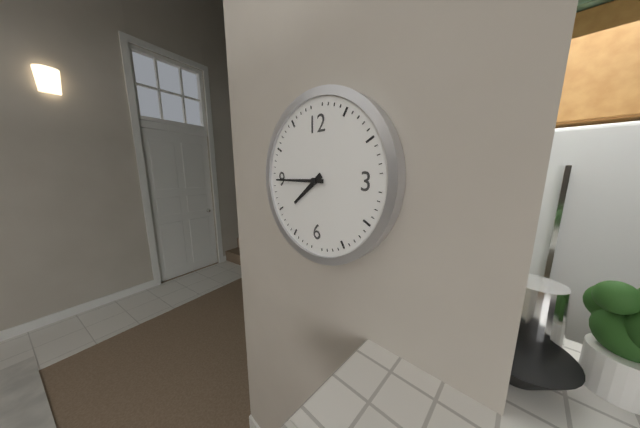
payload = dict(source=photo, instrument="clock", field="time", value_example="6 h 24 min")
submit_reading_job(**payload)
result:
7 h 45 min
